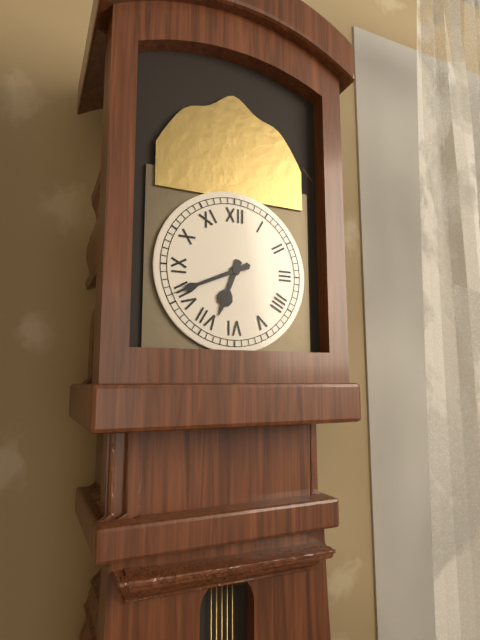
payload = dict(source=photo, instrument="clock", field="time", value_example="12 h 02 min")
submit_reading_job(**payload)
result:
6 h 41 min
